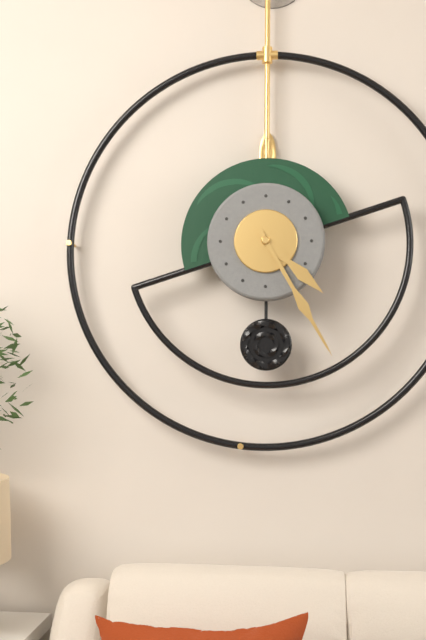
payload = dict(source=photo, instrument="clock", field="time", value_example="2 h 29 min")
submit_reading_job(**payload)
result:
4 h 25 min
